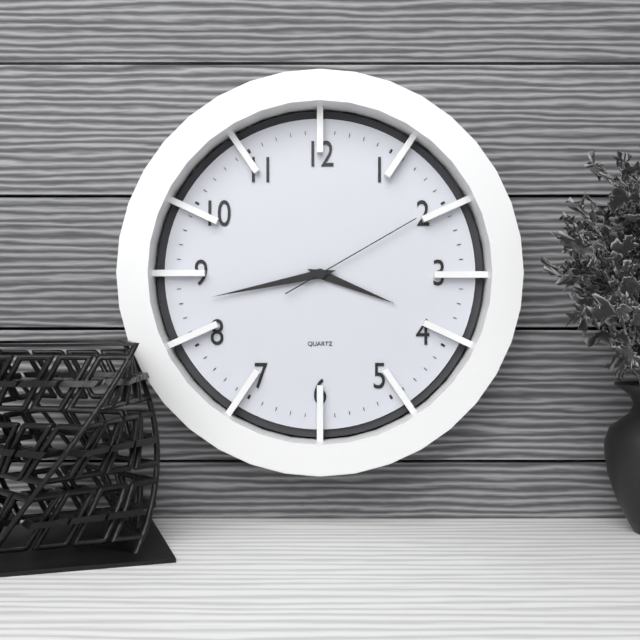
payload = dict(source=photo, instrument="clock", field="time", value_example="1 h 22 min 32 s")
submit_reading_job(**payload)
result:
3 h 43 min 10 s
